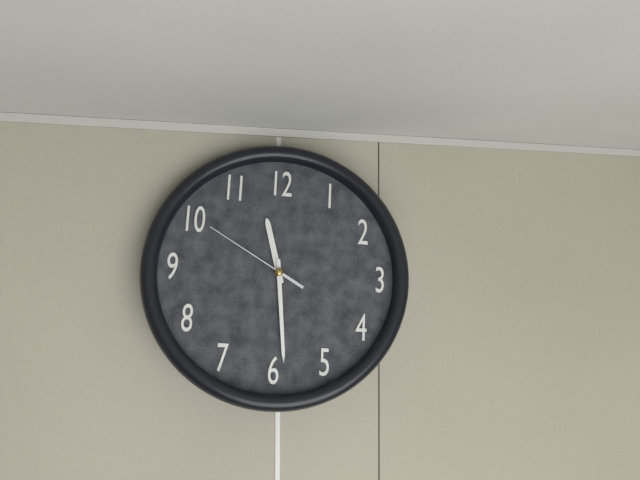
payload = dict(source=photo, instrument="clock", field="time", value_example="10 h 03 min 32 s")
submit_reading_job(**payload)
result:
11 h 29 min 50 s
